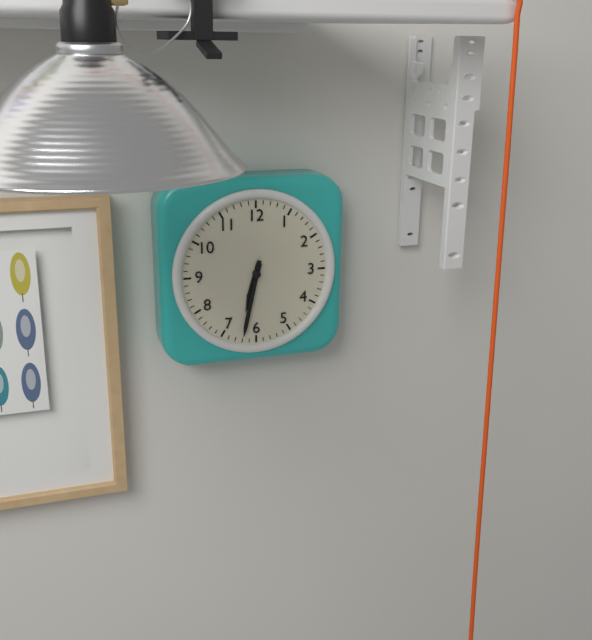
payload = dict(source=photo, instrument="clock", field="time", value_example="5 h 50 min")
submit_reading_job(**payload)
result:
6 h 32 min
